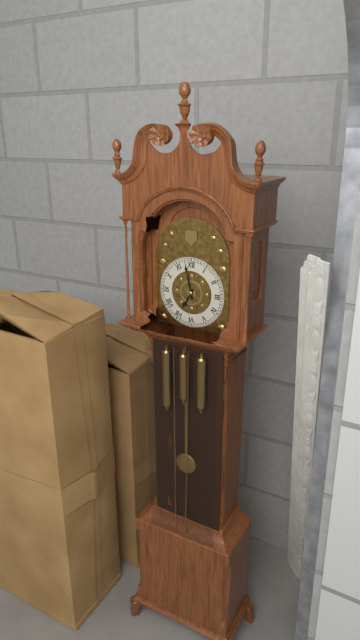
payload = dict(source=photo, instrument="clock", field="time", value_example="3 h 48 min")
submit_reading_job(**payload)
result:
6 h 58 min
